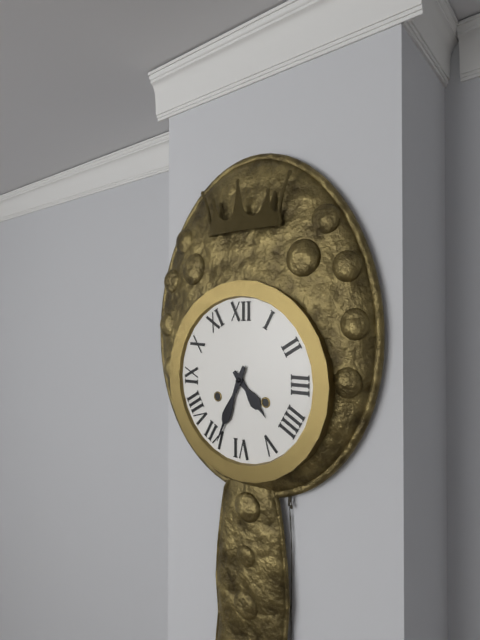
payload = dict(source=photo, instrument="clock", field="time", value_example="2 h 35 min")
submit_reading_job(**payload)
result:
4 h 34 min
